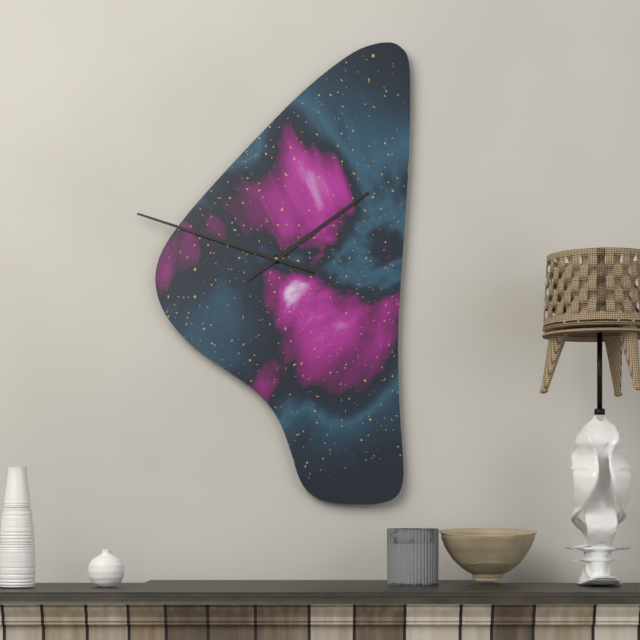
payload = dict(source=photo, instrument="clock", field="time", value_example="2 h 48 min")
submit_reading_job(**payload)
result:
1 h 48 min
